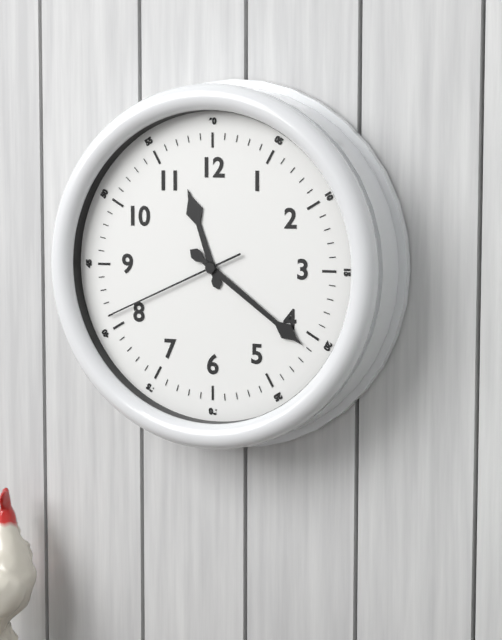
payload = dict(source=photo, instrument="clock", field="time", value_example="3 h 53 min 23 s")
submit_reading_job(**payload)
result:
11 h 21 min 41 s
